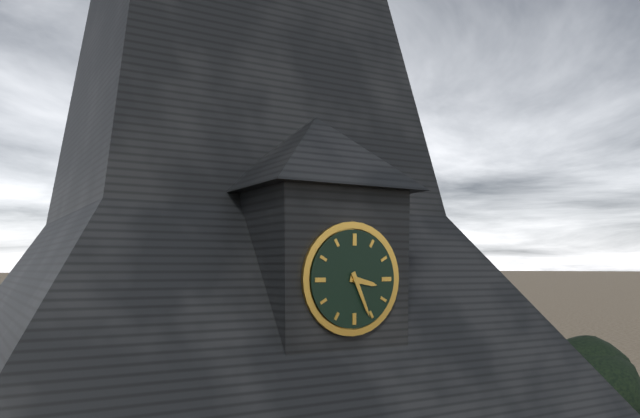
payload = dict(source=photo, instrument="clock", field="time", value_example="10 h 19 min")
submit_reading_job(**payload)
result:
3 h 26 min
